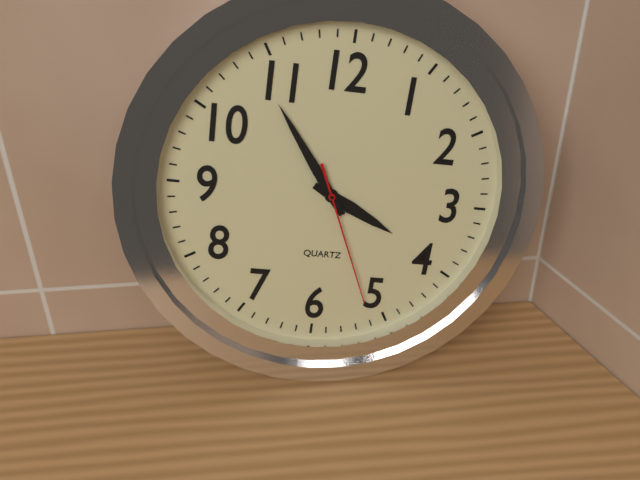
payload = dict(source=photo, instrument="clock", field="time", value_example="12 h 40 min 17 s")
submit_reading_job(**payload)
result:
3 h 54 min 26 s
